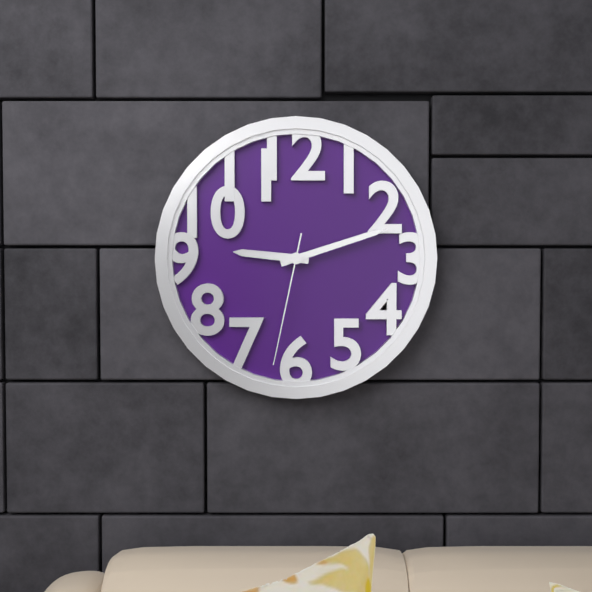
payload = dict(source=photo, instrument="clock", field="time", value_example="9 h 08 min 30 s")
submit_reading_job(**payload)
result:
9 h 12 min 32 s
